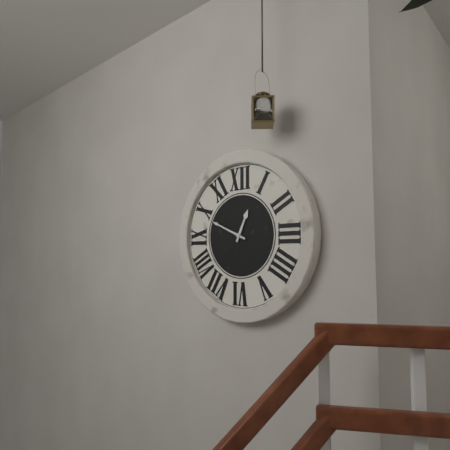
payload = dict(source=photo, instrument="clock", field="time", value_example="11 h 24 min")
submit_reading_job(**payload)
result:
12 h 49 min
